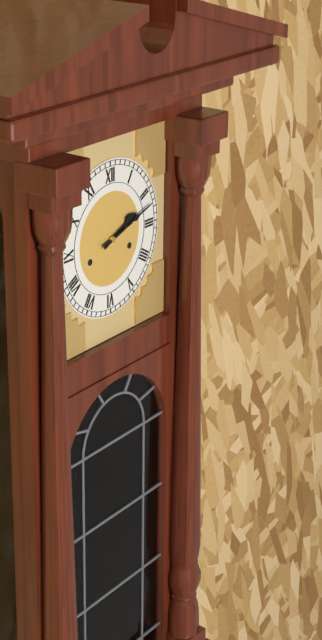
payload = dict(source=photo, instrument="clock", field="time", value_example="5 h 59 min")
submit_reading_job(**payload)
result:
2 h 12 min
